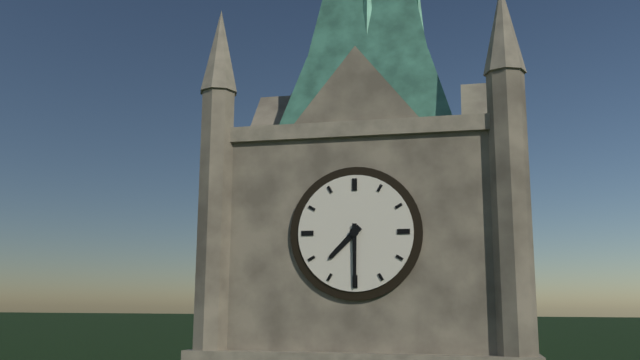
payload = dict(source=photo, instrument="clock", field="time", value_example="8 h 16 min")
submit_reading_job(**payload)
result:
7 h 30 min
